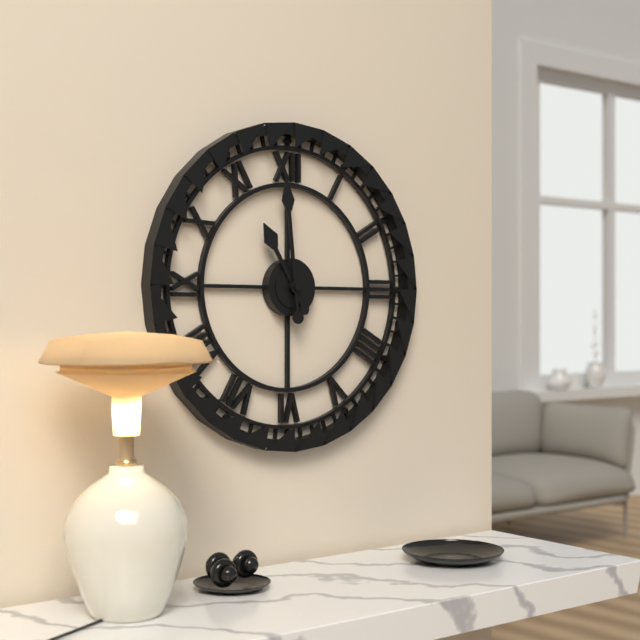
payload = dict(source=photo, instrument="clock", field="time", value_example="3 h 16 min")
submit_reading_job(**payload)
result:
10 h 59 min
